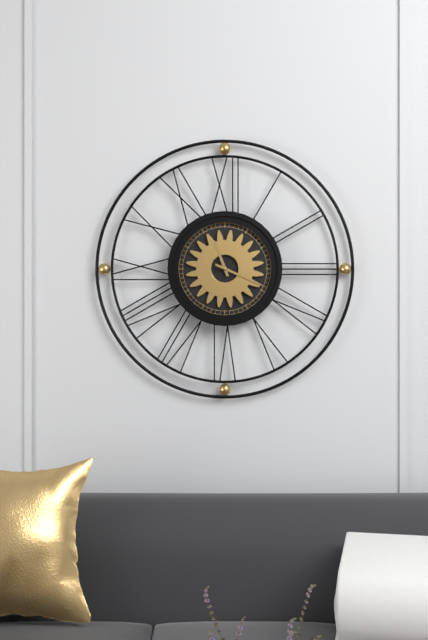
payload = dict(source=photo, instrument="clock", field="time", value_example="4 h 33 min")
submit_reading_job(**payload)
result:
11 h 19 min
